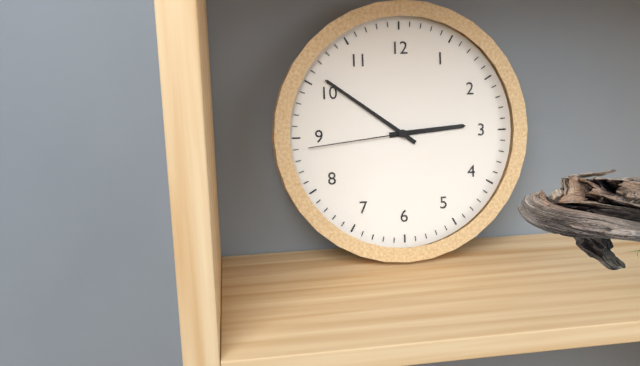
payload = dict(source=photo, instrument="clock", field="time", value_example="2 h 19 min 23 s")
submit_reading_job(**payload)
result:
2 h 51 min 44 s
